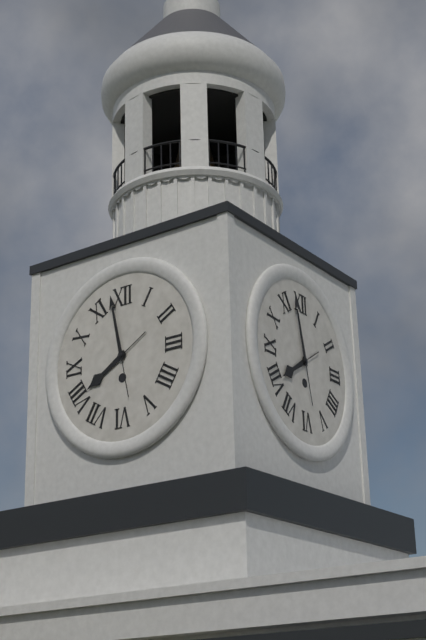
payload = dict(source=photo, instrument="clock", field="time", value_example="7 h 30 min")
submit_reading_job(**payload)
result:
7 h 58 min
